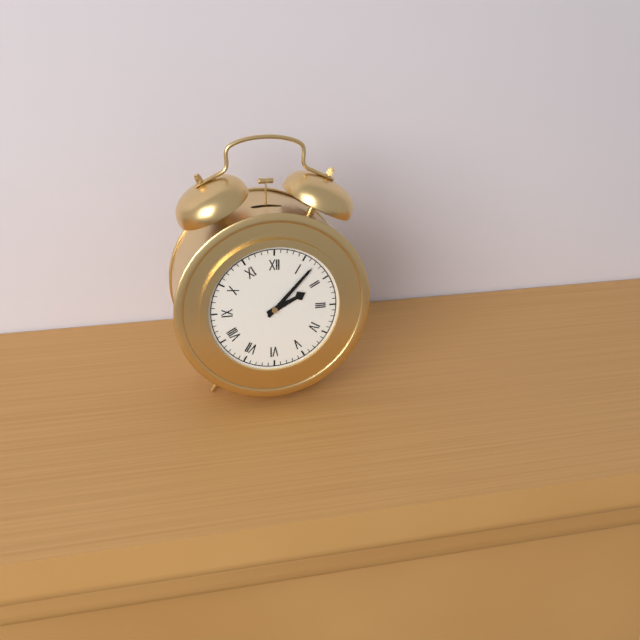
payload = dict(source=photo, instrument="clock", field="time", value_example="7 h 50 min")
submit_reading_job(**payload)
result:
2 h 07 min
